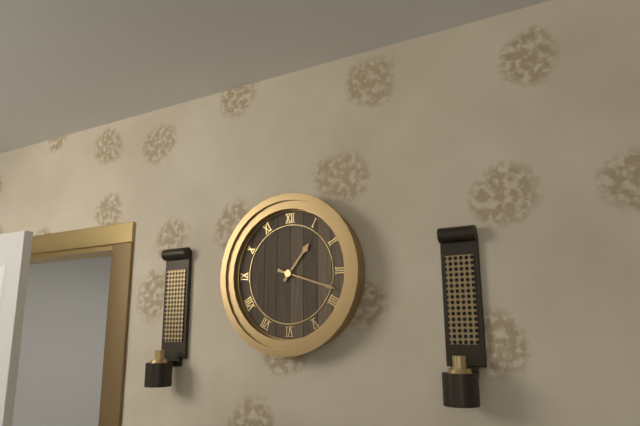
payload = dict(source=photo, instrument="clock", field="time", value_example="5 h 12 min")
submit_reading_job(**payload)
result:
1 h 18 min
